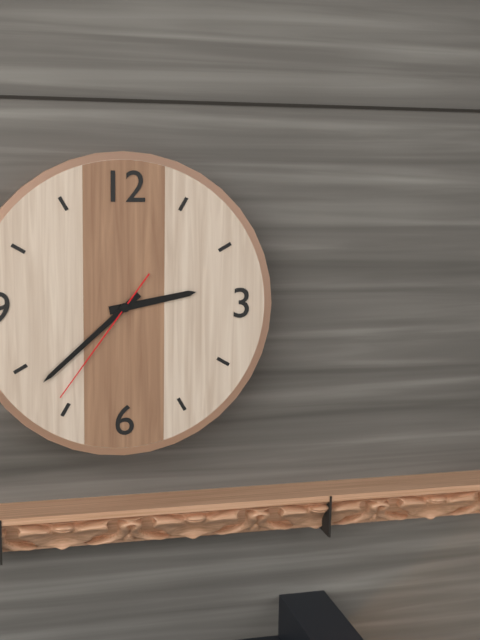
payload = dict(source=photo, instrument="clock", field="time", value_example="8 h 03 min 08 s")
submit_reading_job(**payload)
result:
2 h 38 min 36 s
